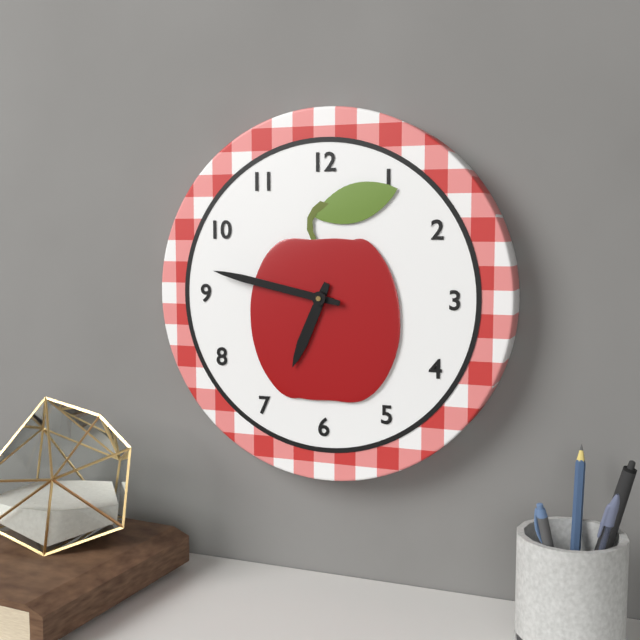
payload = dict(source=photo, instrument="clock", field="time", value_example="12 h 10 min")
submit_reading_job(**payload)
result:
6 h 47 min
